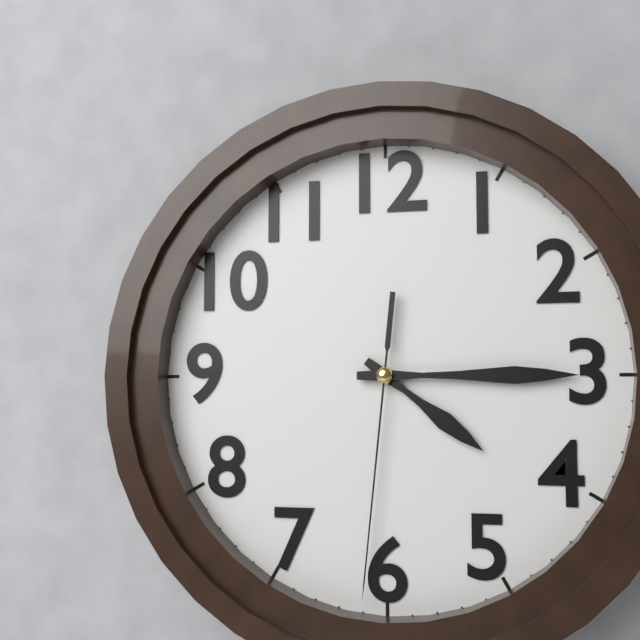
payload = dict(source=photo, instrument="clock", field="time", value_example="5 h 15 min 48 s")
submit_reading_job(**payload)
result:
4 h 15 min 31 s
